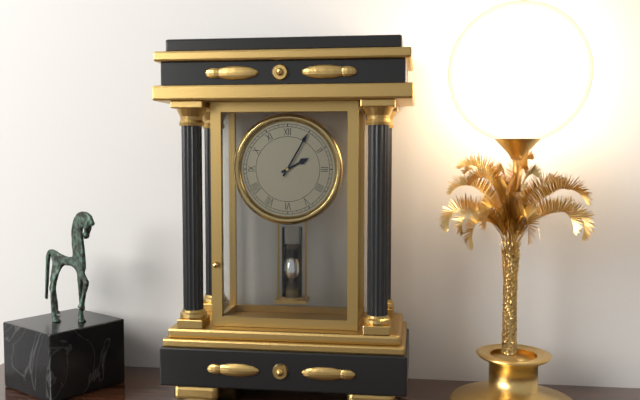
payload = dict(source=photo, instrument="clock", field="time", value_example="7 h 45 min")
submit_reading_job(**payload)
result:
2 h 05 min
